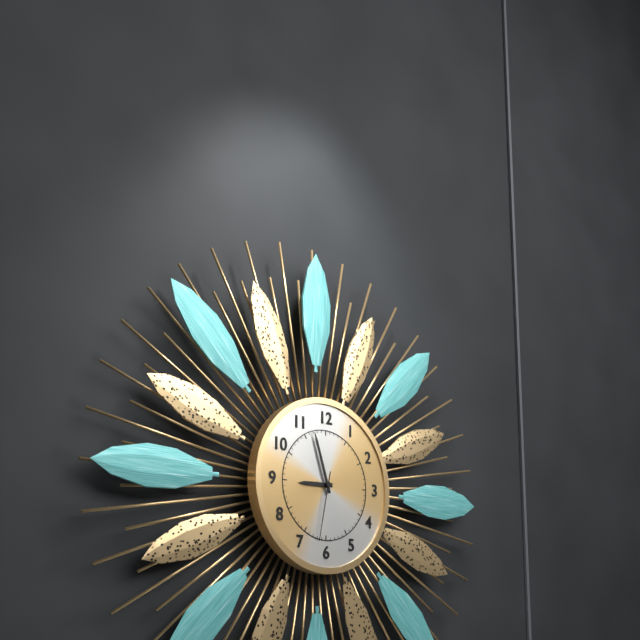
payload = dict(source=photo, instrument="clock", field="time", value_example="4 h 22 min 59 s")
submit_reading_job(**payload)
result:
8 h 57 min 32 s
